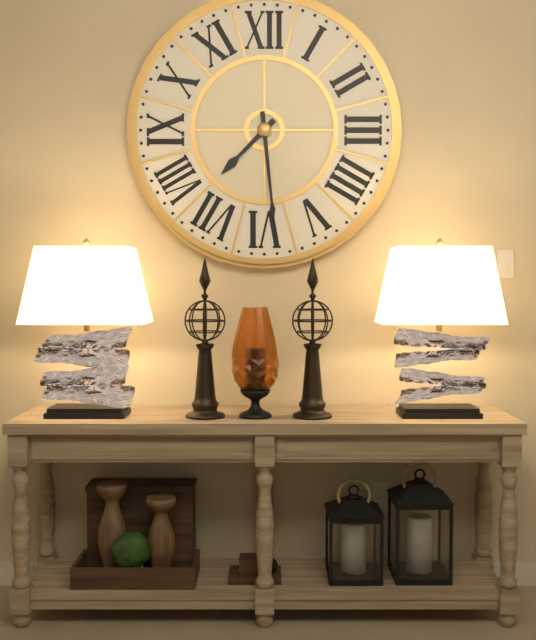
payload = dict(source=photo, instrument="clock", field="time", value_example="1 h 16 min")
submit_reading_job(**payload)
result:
7 h 29 min
